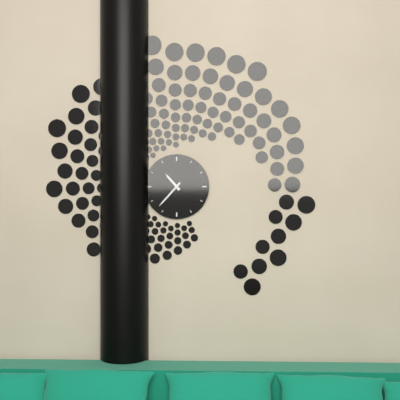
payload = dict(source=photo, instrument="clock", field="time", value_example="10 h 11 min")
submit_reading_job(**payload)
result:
10 h 37 min
